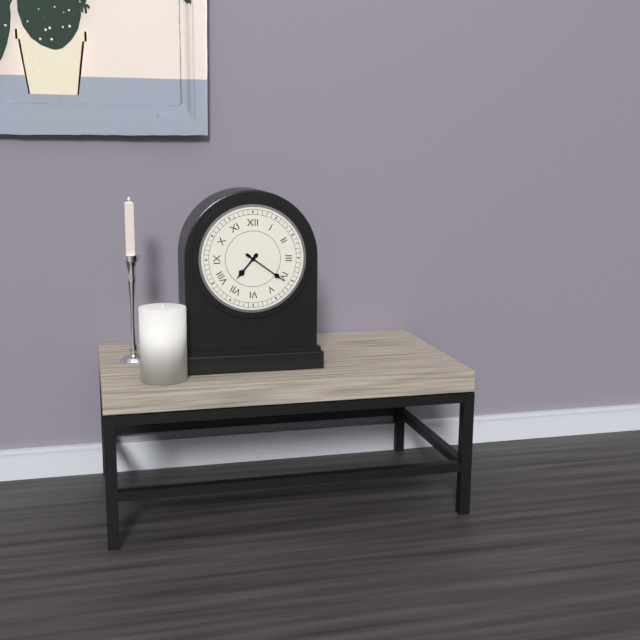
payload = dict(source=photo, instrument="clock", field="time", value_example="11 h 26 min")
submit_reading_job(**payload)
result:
7 h 21 min
